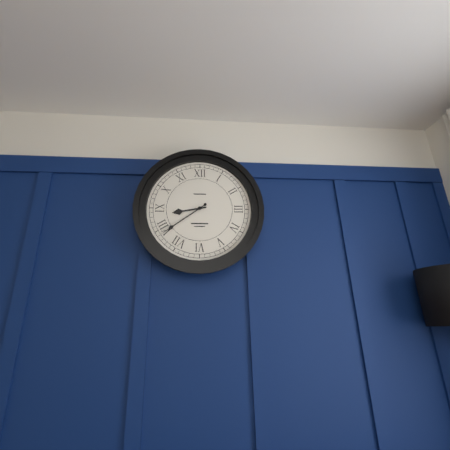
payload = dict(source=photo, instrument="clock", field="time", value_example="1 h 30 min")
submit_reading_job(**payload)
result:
8 h 39 min
